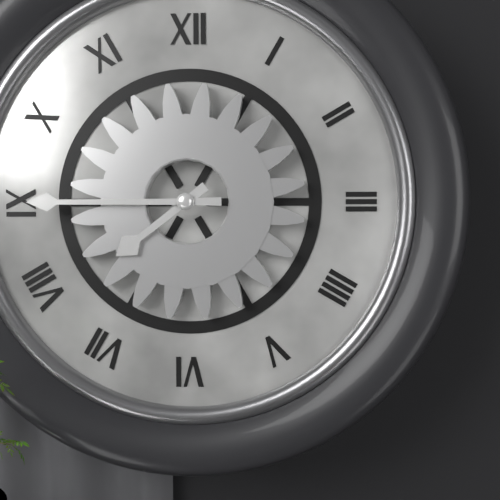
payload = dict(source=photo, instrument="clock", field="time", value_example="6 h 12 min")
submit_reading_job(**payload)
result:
7 h 45 min
